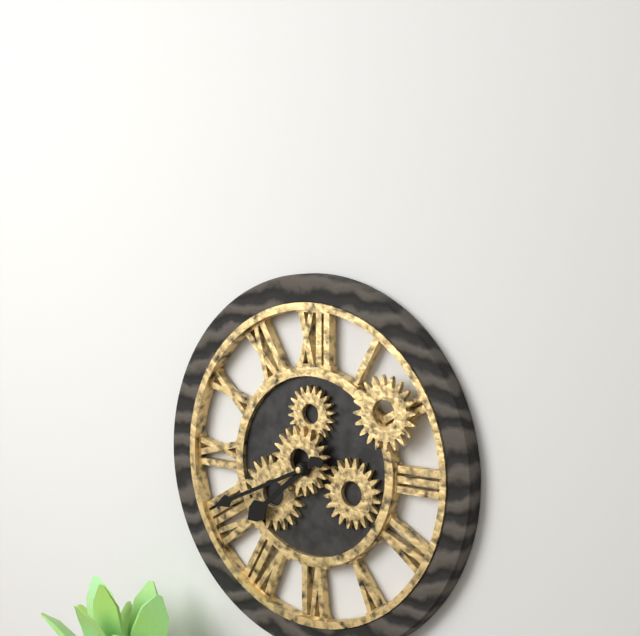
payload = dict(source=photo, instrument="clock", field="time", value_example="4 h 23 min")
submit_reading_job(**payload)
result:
7 h 41 min
